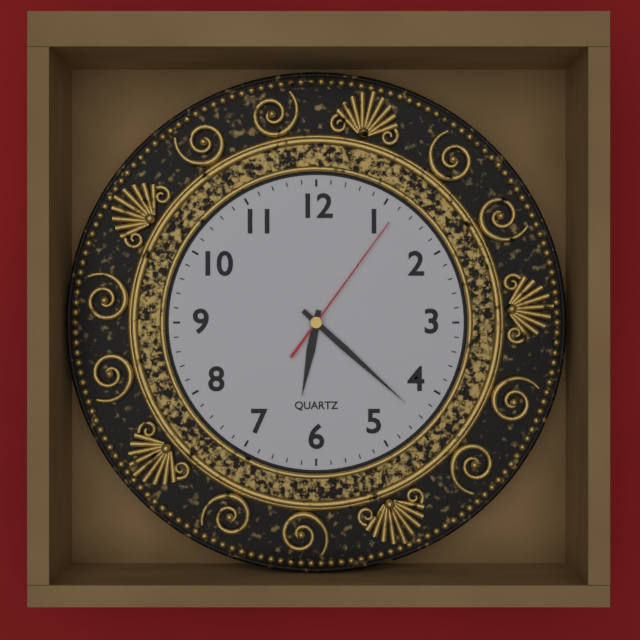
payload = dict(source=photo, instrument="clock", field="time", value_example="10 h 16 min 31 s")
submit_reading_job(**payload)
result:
6 h 22 min 06 s
